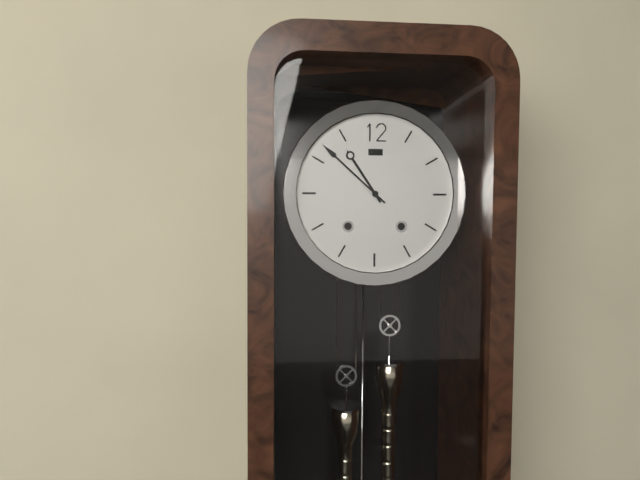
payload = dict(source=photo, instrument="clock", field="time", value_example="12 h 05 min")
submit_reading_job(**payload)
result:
10 h 52 min
